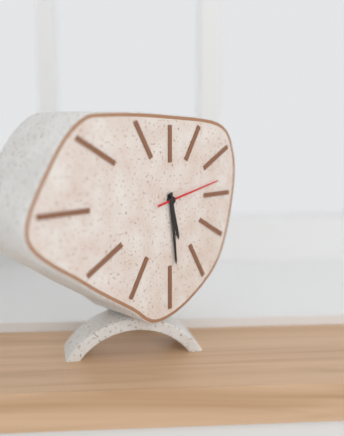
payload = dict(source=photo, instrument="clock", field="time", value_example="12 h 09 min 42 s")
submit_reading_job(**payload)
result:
5 h 29 min 13 s
